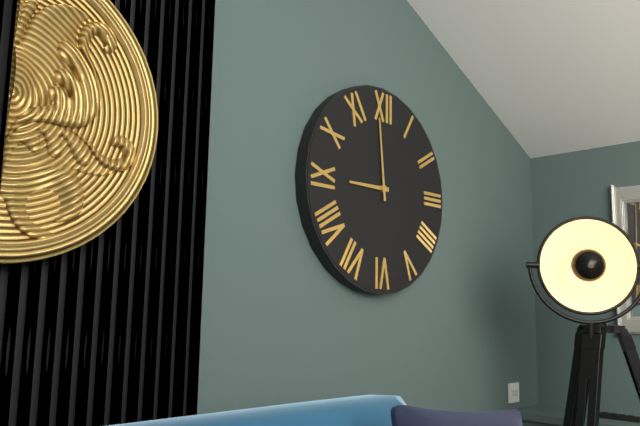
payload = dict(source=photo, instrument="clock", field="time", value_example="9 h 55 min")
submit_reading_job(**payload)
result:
8 h 59 min
